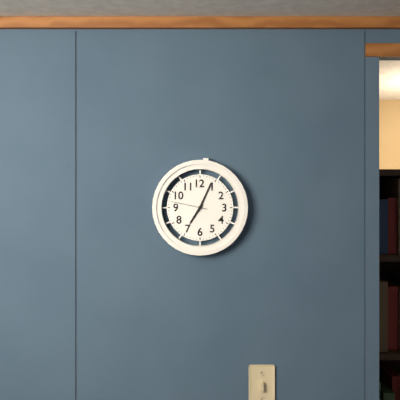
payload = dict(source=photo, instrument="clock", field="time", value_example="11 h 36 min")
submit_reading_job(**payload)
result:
7 h 04 min
